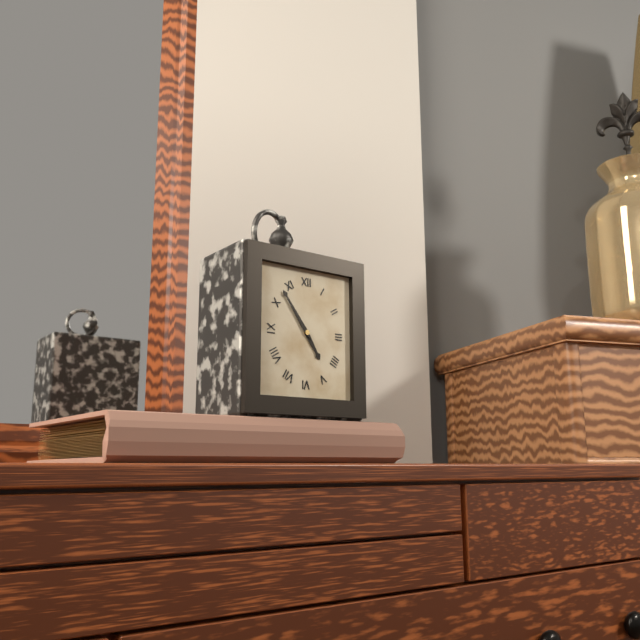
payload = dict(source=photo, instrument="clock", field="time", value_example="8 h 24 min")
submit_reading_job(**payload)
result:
4 h 54 min
